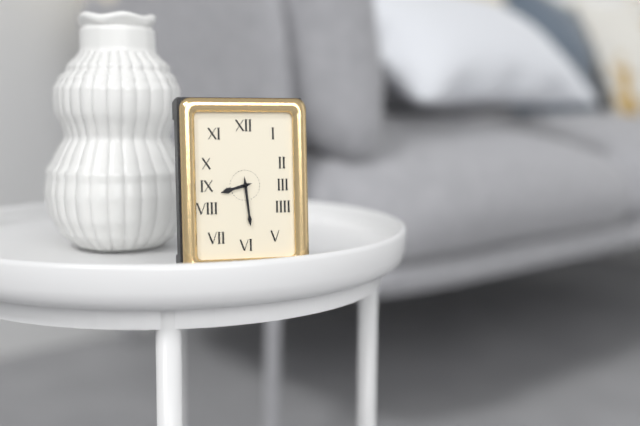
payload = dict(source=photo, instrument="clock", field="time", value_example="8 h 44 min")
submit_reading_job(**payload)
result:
8 h 29 min
